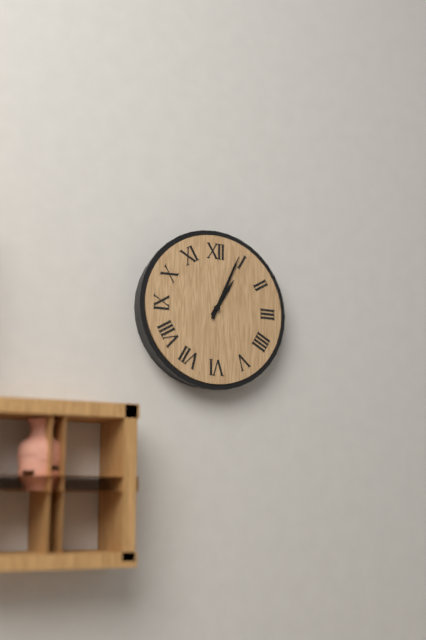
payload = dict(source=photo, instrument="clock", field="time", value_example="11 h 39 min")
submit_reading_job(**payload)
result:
1 h 04 min
